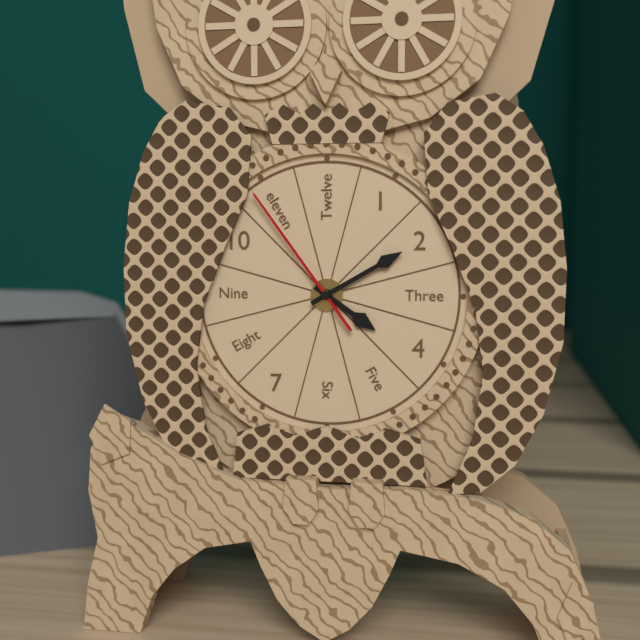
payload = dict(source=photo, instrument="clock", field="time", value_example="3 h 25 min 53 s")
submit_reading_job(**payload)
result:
4 h 10 min 54 s
